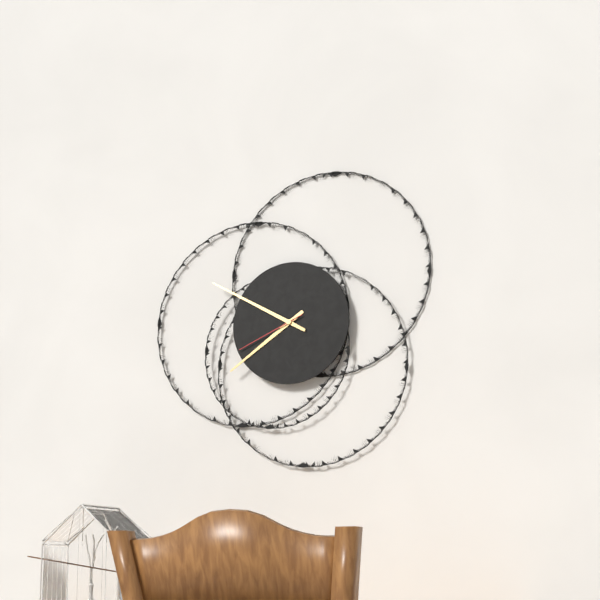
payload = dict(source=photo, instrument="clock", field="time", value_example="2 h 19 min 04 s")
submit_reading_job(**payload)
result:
7 h 50 min 41 s
